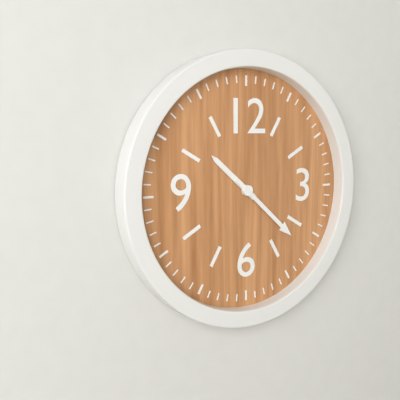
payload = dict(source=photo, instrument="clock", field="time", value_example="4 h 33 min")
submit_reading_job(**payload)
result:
10 h 22 min
